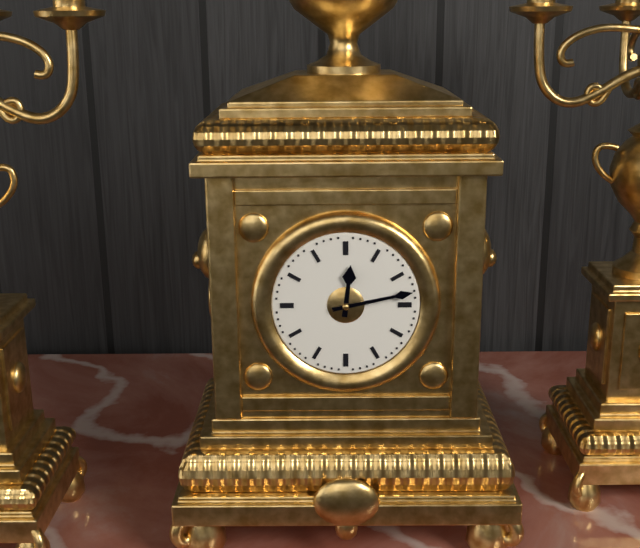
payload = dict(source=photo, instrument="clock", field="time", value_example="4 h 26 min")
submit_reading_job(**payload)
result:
12 h 13 min
